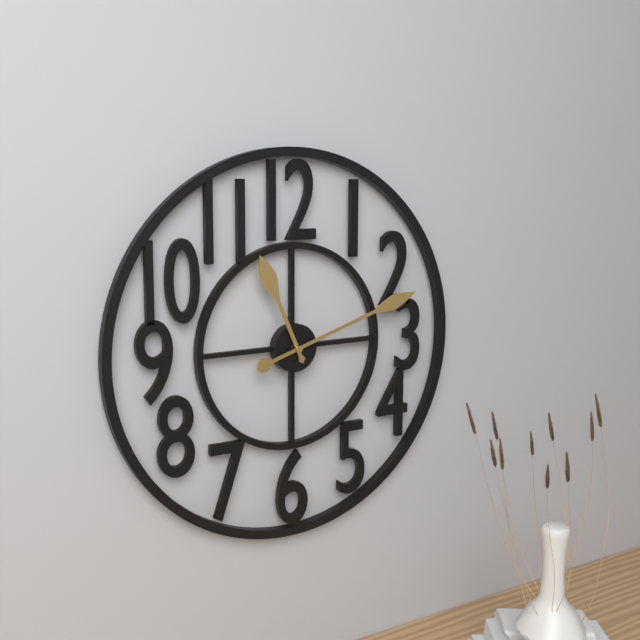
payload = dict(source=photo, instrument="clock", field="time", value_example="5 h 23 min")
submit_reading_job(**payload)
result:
11 h 12 min
